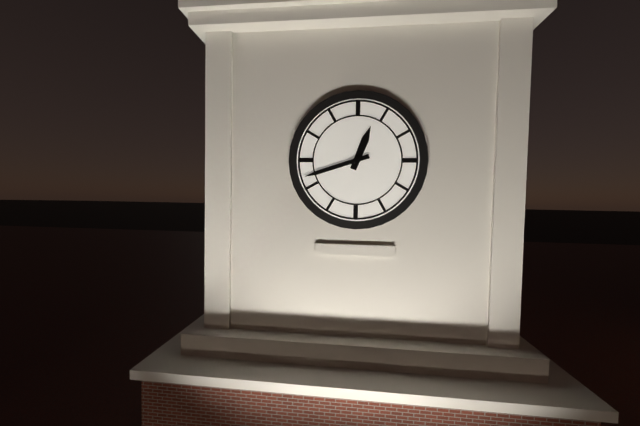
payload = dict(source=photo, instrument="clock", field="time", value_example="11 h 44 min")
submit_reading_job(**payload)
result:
12 h 42 min
